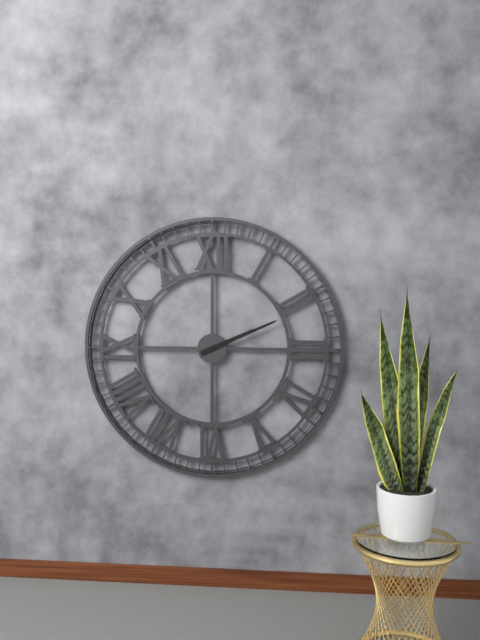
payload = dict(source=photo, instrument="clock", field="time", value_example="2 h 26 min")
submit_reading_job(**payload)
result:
2 h 11 min
